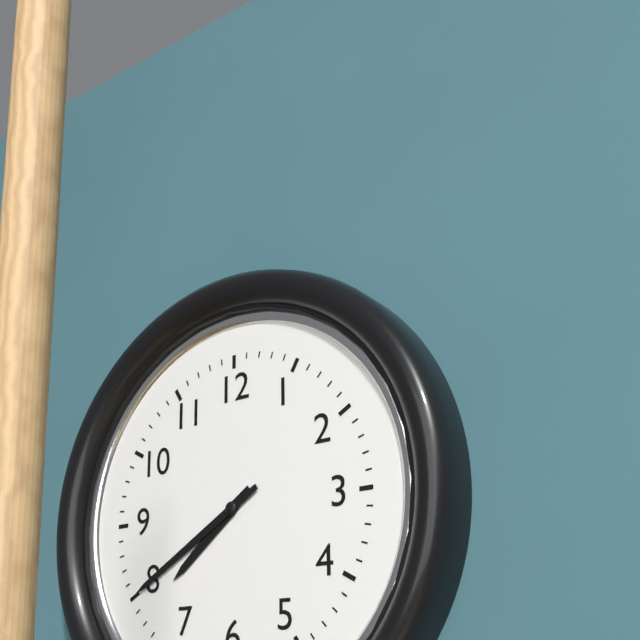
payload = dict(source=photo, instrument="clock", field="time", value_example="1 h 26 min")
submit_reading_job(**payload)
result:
7 h 40 min
